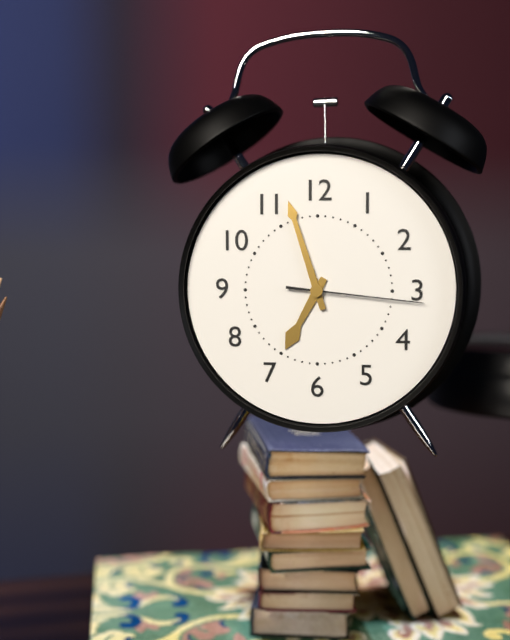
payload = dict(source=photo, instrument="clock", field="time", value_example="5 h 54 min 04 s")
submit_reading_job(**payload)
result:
6 h 57 min 16 s
